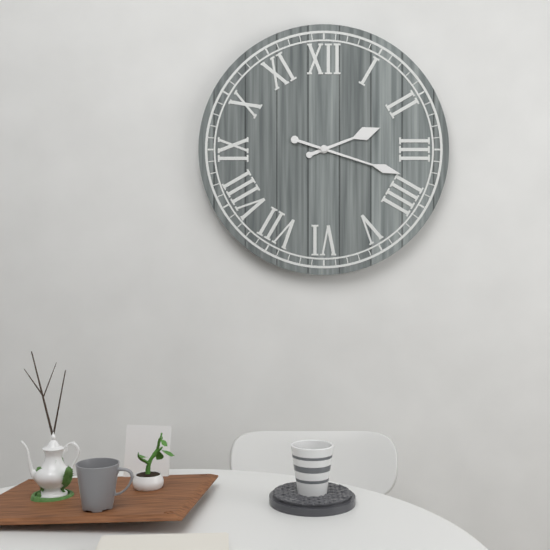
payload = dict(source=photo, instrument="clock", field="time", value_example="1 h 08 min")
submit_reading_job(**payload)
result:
2 h 18 min
